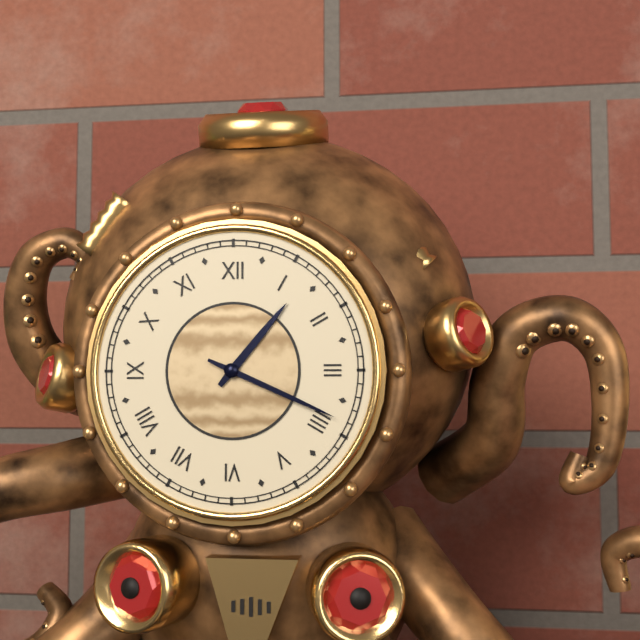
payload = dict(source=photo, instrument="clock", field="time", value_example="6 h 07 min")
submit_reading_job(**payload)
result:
1 h 19 min
